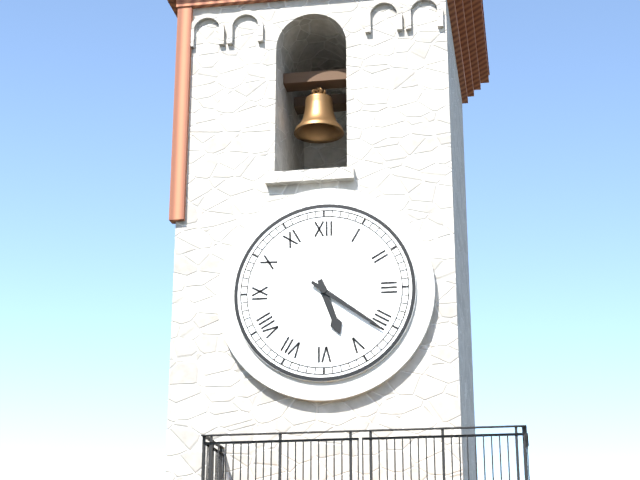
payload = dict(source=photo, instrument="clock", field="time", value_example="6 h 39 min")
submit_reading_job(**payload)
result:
5 h 21 min
